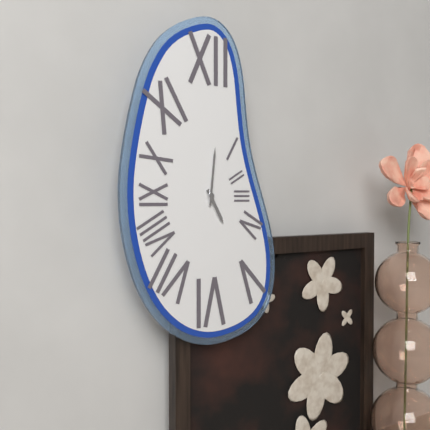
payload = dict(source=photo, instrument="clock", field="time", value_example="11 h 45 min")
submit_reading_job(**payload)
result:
5 h 01 min
